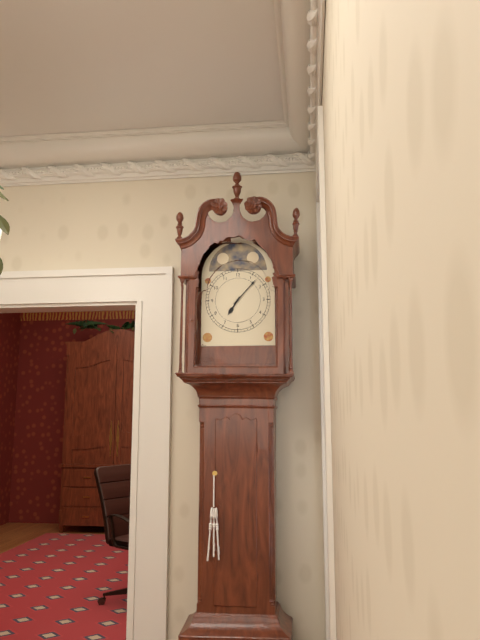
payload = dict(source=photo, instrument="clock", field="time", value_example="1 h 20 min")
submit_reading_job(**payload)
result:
7 h 07 min
